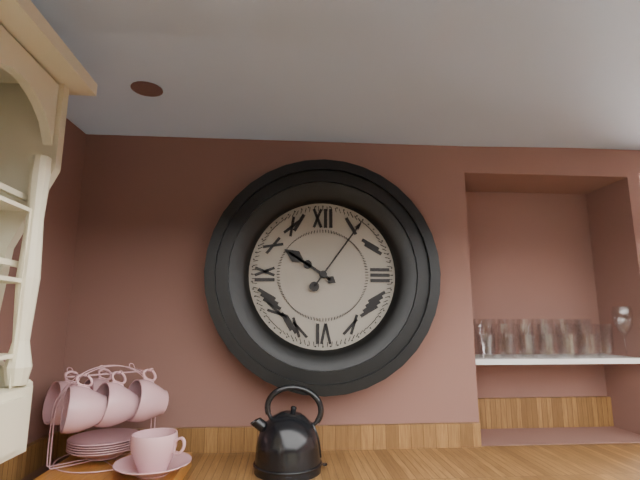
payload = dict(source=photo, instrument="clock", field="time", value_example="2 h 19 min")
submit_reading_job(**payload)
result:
10 h 06 min
